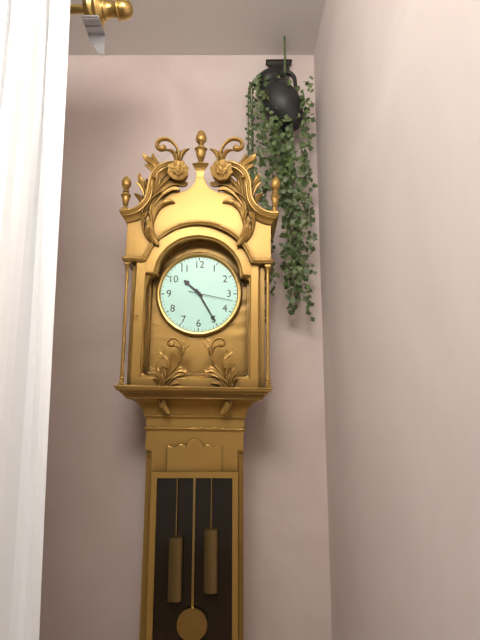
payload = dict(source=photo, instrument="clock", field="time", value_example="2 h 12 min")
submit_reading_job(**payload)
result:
10 h 25 min
